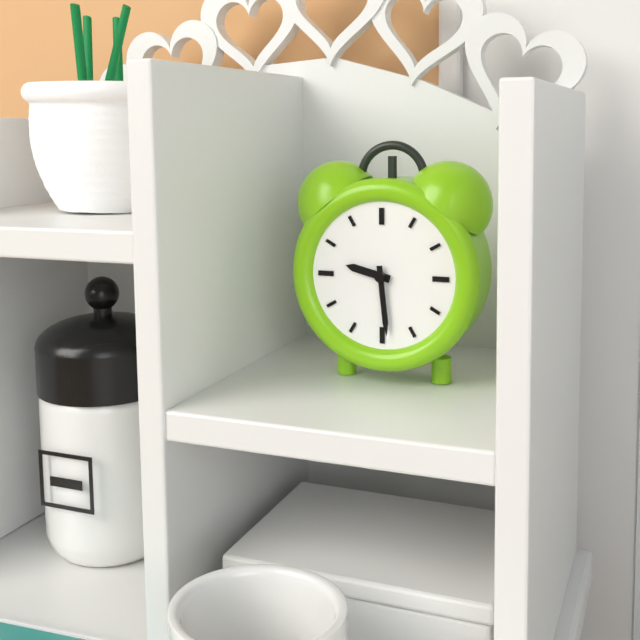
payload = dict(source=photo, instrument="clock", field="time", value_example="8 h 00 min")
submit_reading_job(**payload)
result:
9 h 29 min
